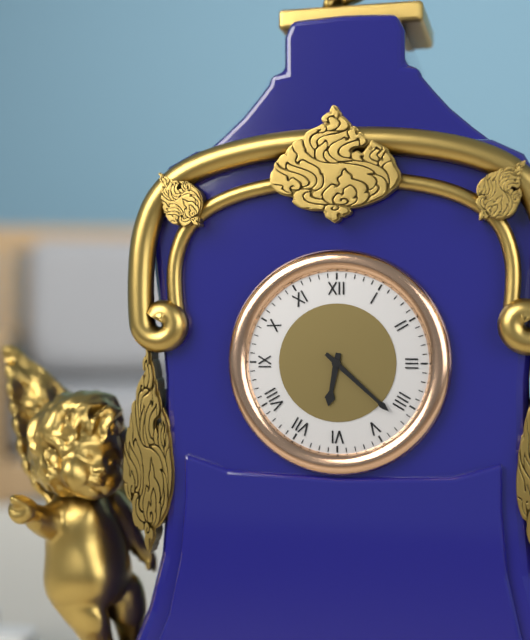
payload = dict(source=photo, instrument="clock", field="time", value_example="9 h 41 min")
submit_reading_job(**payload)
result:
6 h 22 min
